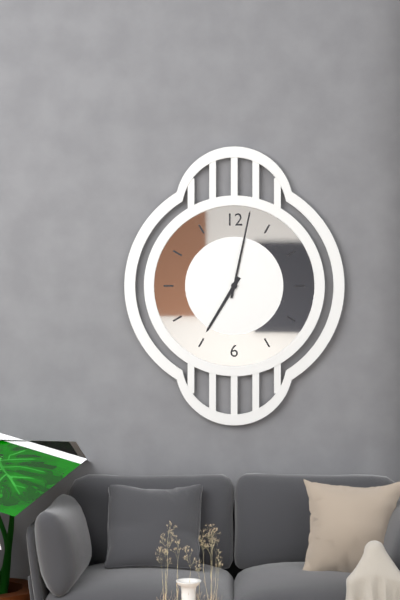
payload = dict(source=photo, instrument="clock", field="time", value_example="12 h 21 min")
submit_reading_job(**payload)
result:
7 h 02 min
